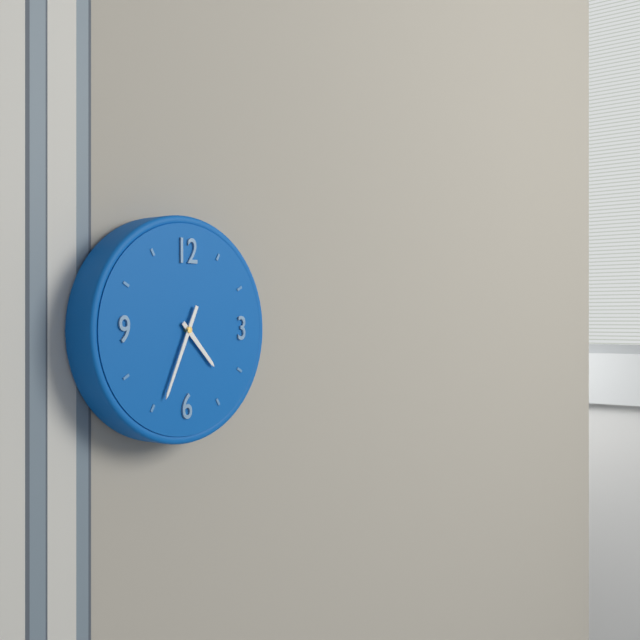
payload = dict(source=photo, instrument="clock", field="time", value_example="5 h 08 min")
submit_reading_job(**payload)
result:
4 h 34 min
